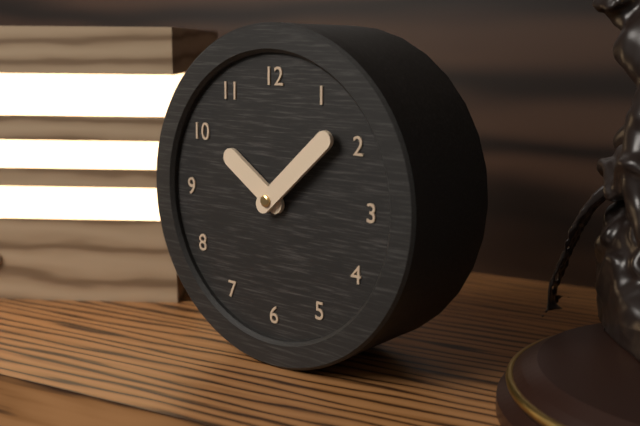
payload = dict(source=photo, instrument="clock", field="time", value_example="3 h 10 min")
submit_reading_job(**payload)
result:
10 h 08 min
